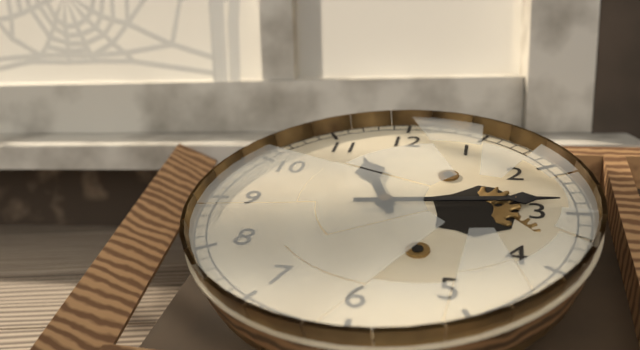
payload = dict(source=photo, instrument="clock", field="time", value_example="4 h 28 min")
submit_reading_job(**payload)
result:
11 h 14 min
